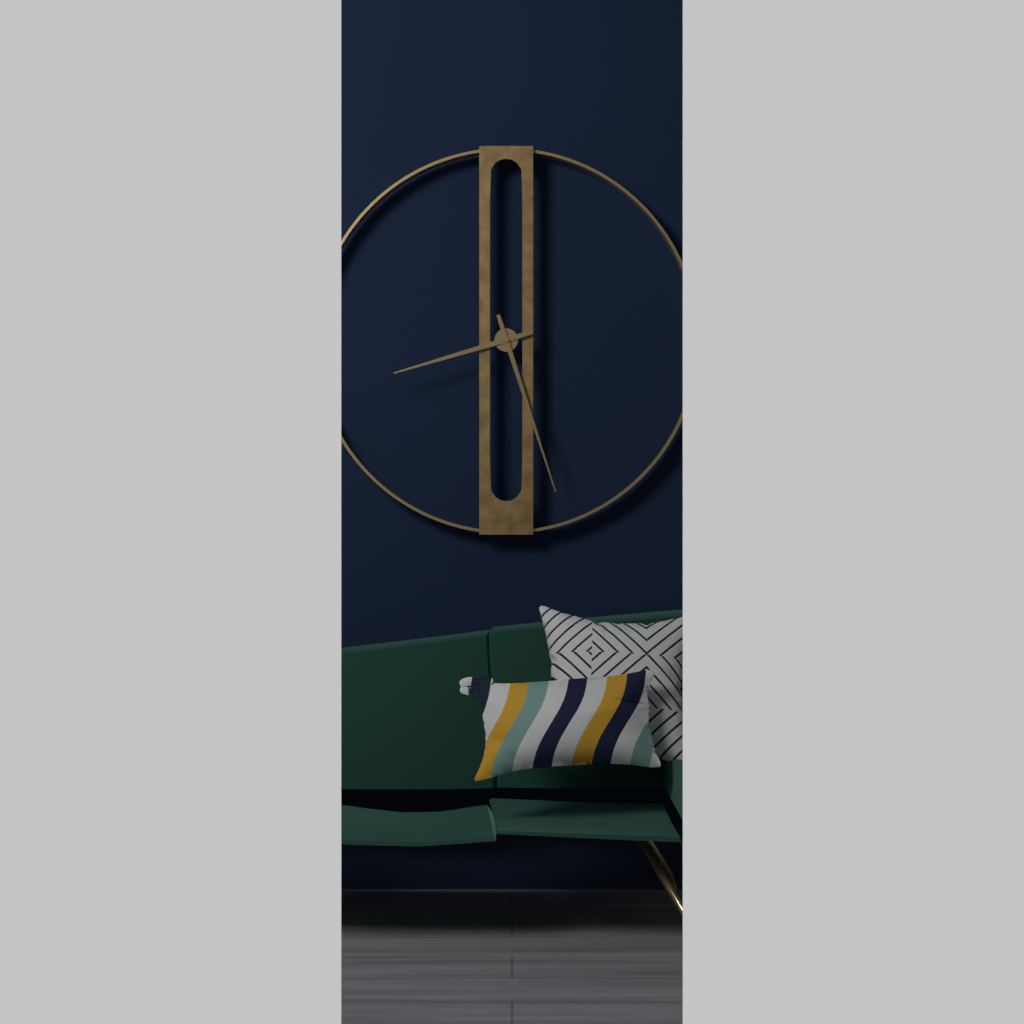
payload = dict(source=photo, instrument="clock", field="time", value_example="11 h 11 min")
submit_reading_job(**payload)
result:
8 h 27 min
